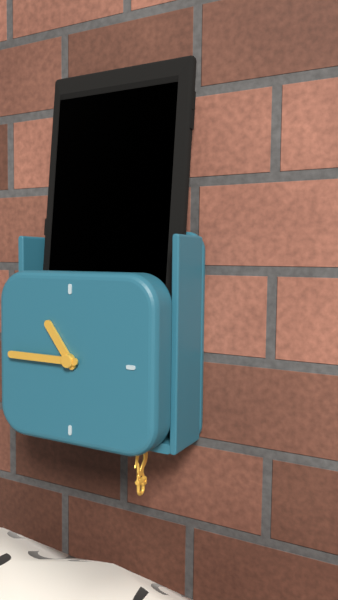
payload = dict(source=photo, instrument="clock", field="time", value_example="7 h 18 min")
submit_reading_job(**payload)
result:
10 h 45 min
